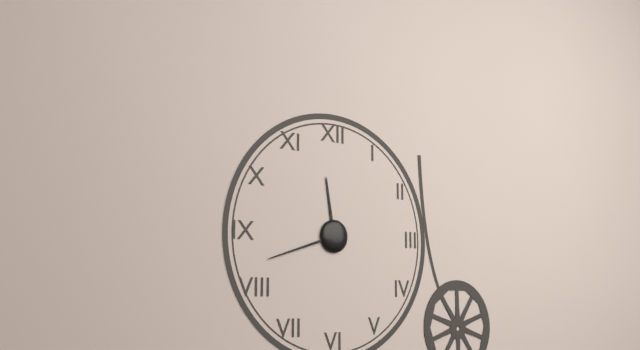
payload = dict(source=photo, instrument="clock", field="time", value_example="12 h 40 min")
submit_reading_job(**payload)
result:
11 h 42 min
